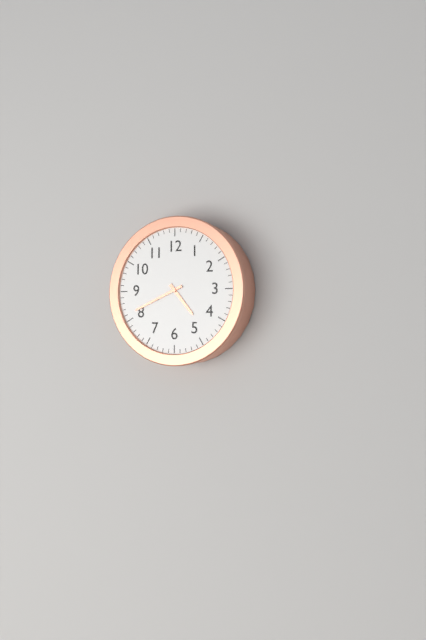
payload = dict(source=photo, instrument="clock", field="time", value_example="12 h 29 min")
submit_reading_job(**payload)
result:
4 h 41 min
